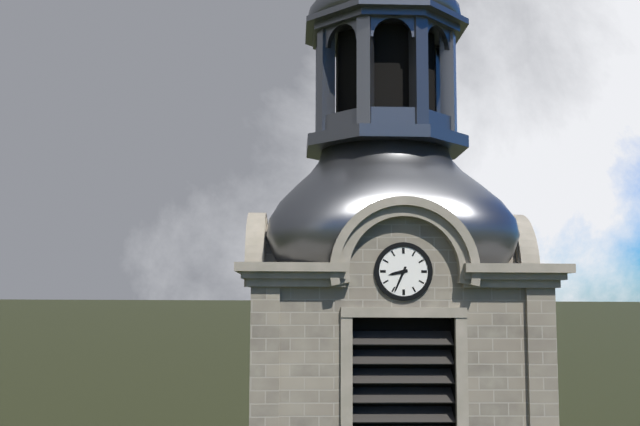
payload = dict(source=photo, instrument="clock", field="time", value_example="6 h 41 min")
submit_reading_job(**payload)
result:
8 h 34 min
